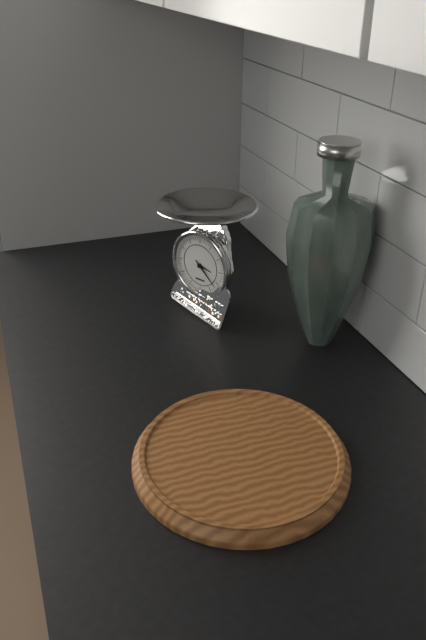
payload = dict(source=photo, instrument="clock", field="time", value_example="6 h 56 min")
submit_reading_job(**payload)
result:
3 h 22 min
